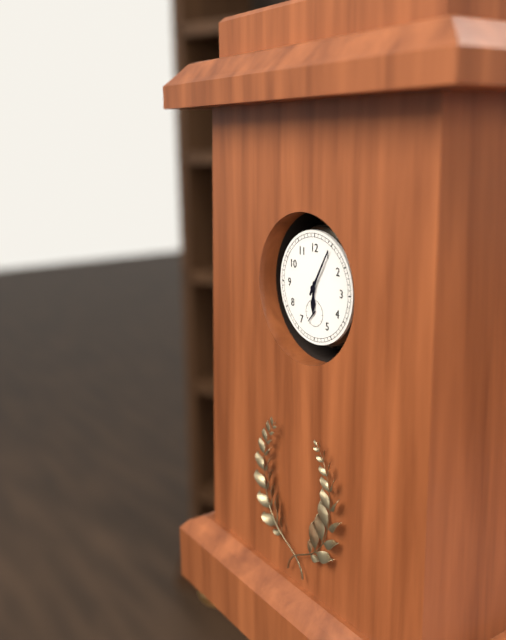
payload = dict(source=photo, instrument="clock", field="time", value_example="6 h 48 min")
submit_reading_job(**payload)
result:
6 h 05 min
